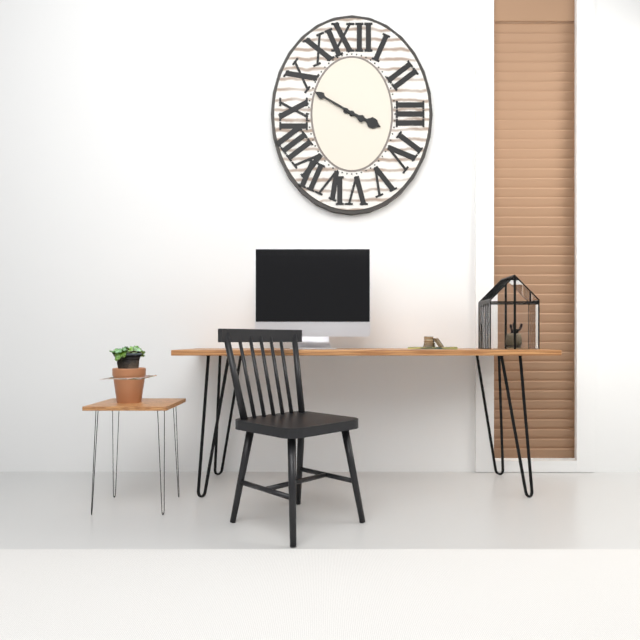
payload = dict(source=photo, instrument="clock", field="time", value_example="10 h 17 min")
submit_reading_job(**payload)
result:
3 h 50 min
